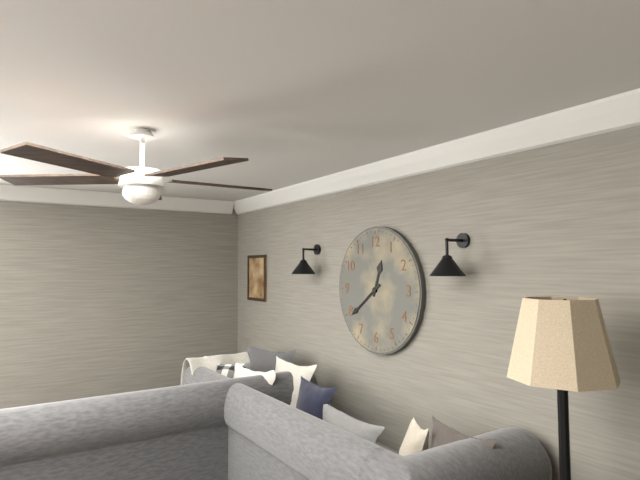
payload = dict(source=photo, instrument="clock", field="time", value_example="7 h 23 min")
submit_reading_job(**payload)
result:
12 h 39 min
